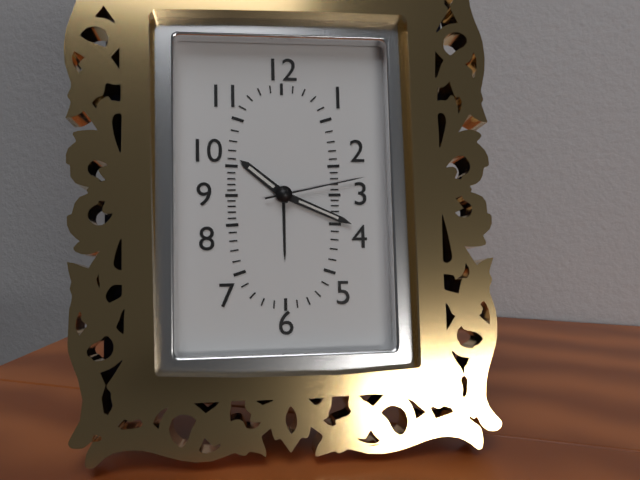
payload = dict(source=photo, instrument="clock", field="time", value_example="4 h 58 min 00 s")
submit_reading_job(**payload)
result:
10 h 19 min 13 s
